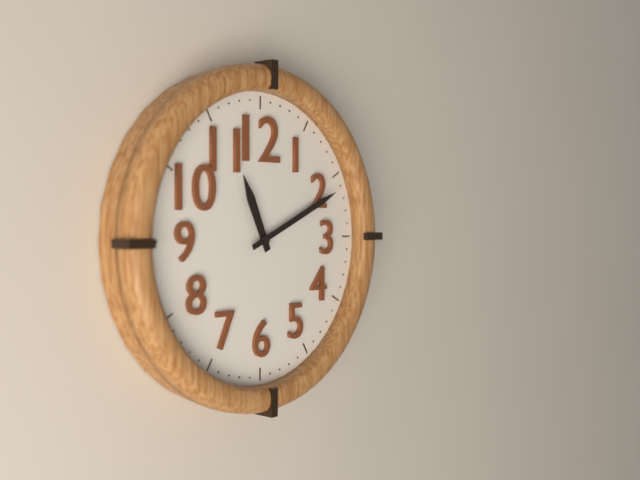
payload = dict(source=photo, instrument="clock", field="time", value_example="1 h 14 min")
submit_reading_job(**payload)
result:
11 h 11 min
